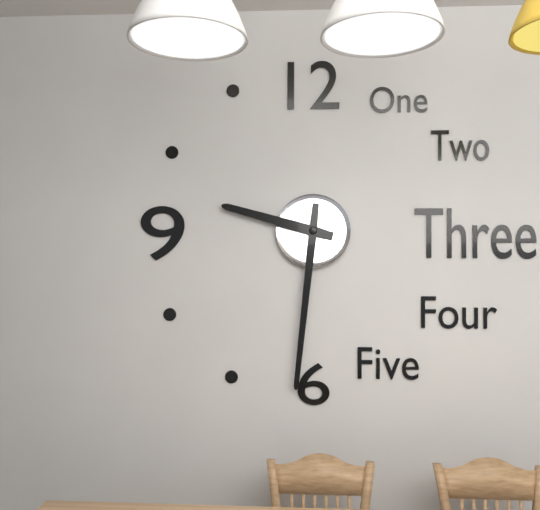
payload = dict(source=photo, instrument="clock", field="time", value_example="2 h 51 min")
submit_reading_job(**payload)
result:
9 h 31 min
